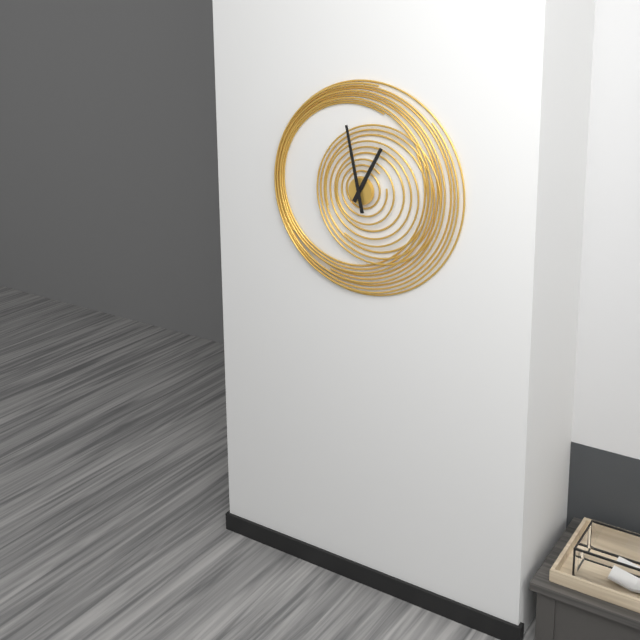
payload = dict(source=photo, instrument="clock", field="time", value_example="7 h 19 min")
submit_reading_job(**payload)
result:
12 h 58 min
